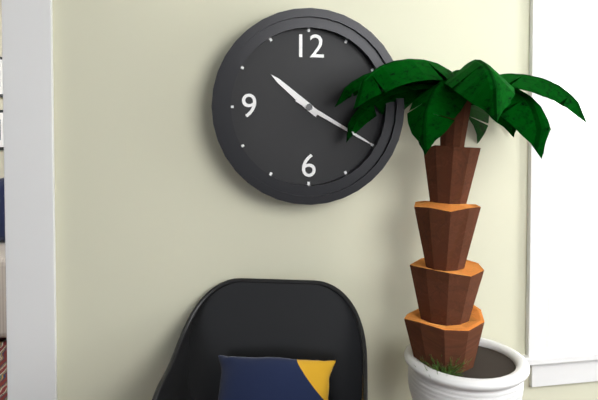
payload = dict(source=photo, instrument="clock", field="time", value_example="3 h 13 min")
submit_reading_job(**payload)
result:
10 h 20 min
